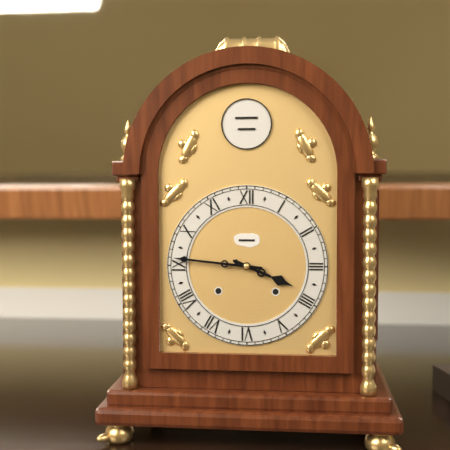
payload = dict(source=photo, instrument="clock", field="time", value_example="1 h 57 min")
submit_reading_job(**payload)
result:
3 h 46 min
